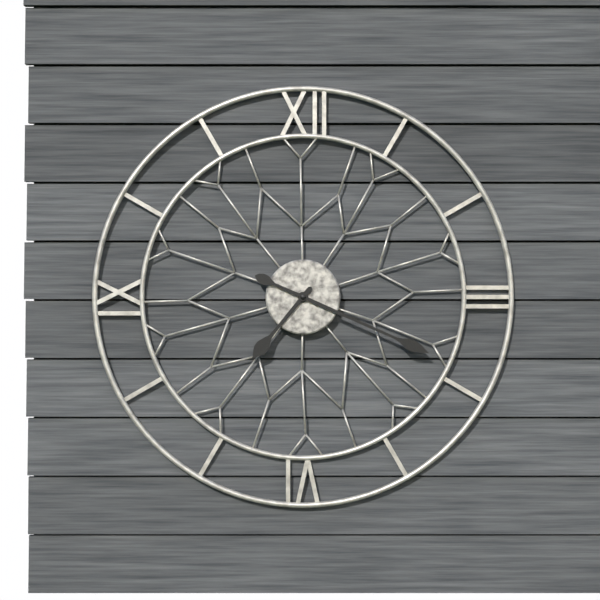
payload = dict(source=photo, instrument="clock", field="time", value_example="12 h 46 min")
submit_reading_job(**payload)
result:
7 h 19 min
